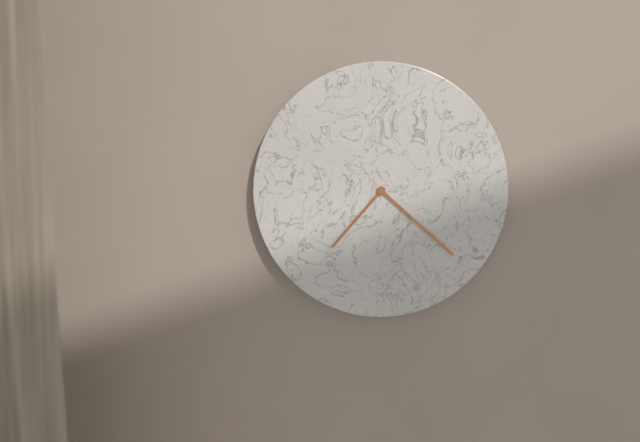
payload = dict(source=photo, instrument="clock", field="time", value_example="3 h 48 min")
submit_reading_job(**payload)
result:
7 h 22 min
